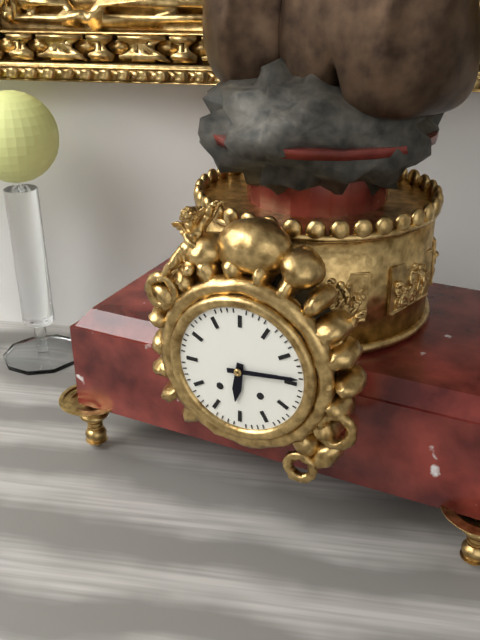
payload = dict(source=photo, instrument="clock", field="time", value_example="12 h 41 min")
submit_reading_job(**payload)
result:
6 h 14 min
